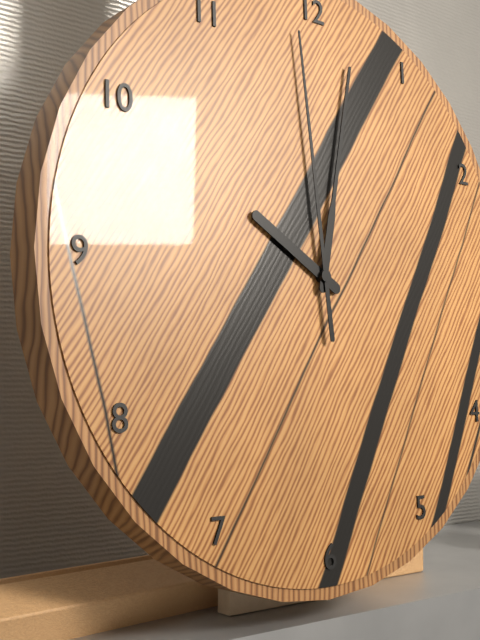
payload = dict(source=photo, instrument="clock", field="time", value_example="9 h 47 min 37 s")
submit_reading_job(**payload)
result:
10 h 02 min 59 s
